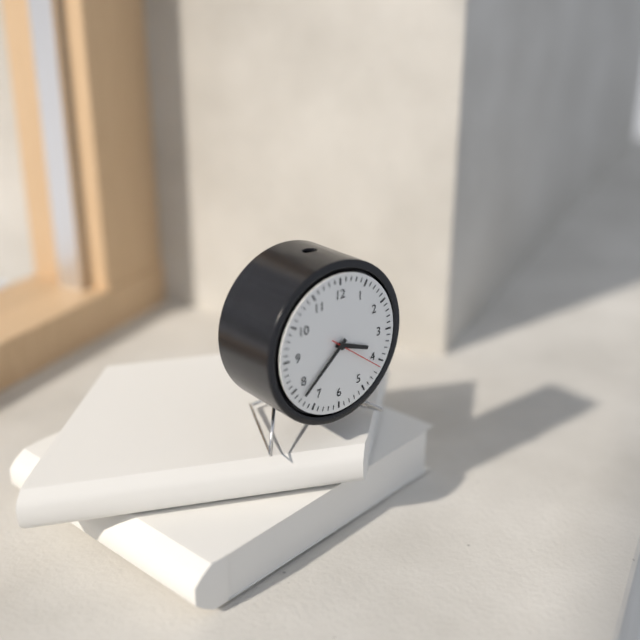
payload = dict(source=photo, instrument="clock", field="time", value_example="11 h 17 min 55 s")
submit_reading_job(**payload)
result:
3 h 38 min 21 s
